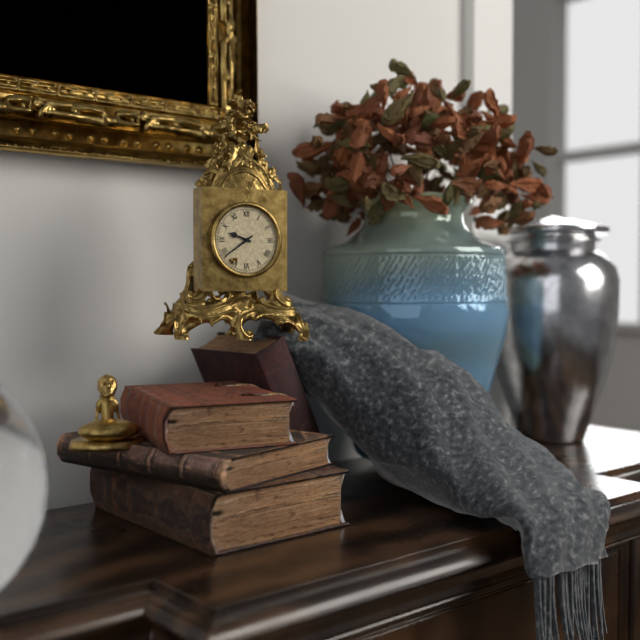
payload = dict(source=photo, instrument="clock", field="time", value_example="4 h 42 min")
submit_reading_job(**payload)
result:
9 h 39 min
